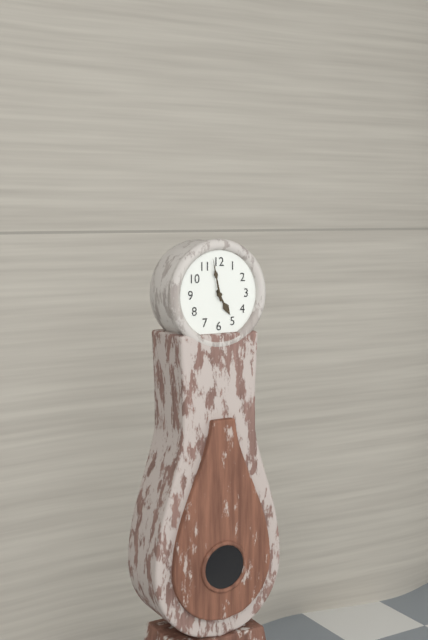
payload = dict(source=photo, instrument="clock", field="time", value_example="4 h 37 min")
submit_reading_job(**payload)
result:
4 h 58 min
